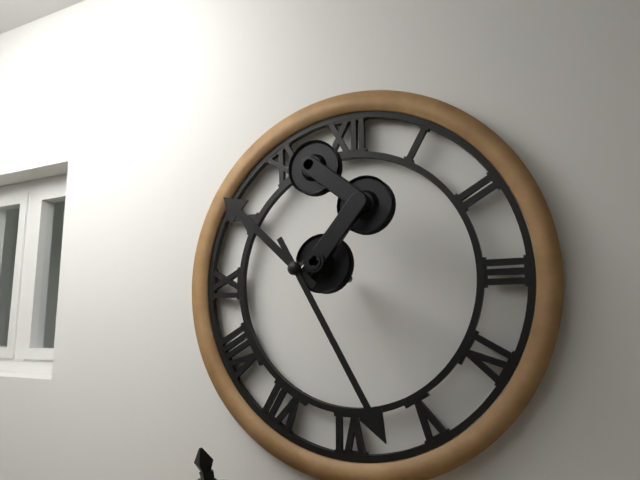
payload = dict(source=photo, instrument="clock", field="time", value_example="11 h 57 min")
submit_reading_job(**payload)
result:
10 h 25 min
